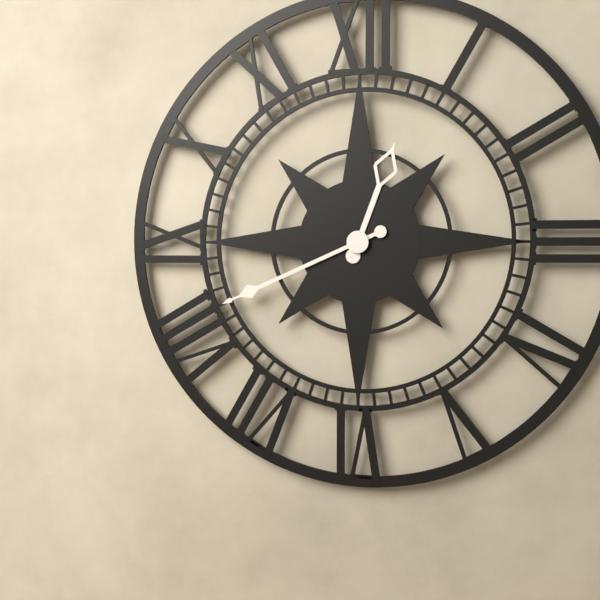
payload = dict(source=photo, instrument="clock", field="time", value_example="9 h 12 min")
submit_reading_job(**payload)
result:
12 h 41 min
